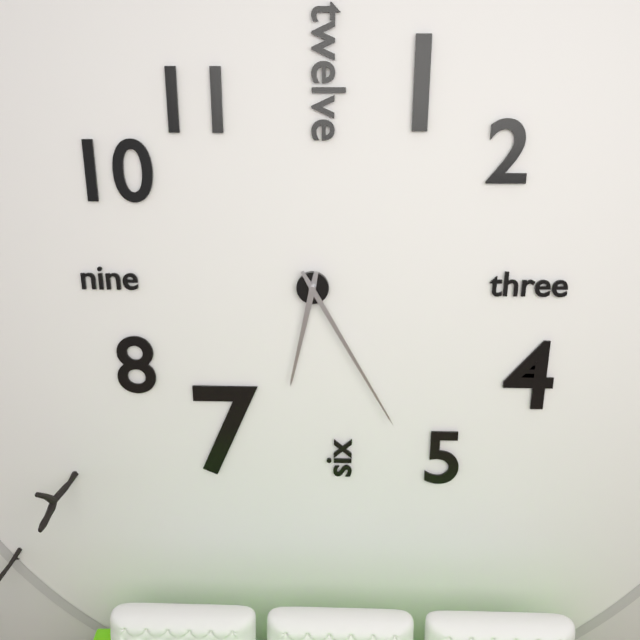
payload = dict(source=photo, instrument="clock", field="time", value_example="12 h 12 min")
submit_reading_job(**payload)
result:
6 h 25 min
